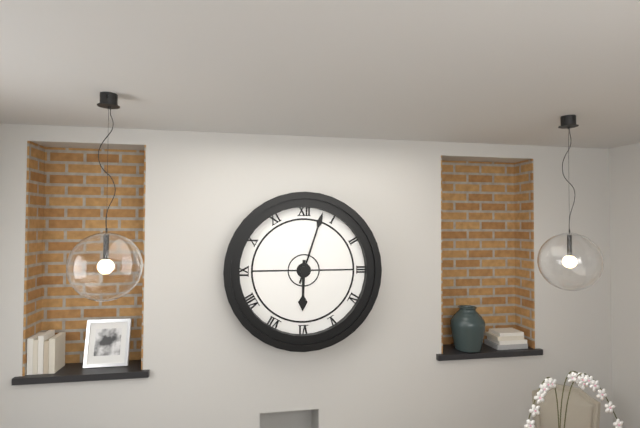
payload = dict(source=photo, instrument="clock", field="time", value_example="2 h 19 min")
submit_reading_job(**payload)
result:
6 h 03 min
